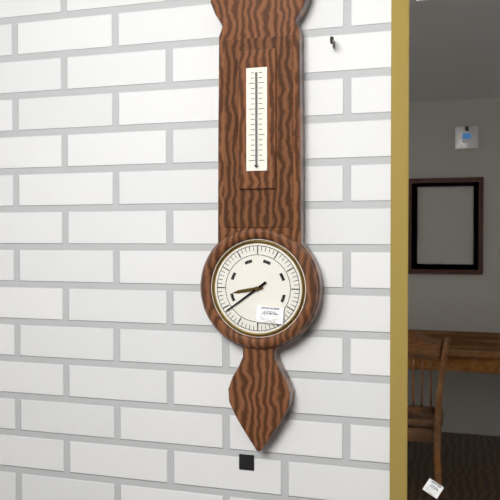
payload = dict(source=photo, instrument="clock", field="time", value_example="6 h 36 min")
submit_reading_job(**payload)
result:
8 h 39 min
